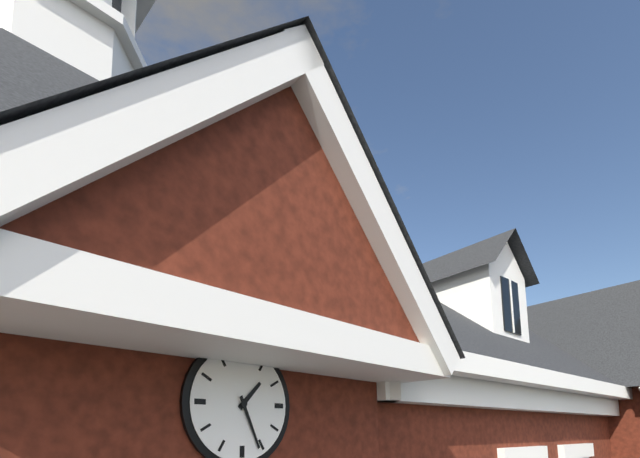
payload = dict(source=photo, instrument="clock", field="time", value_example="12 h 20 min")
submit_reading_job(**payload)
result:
1 h 26 min
